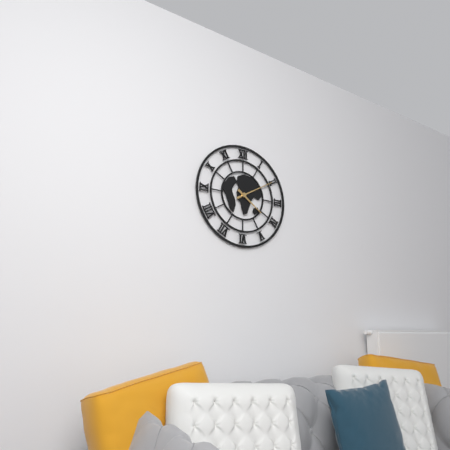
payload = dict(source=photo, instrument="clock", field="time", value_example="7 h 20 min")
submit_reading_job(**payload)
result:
4 h 10 min
